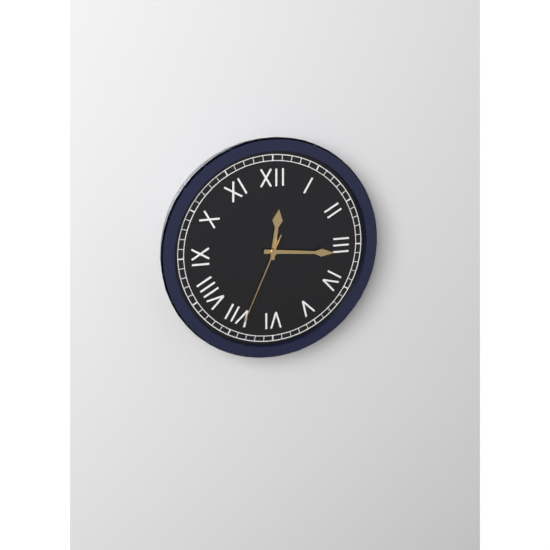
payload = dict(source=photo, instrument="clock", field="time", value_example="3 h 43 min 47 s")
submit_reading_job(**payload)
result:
12 h 16 min 34 s
